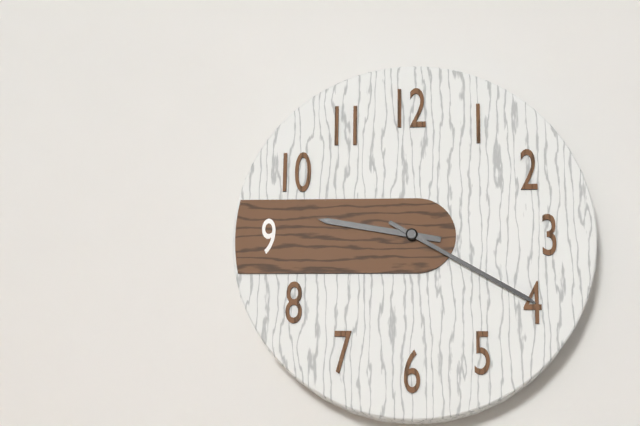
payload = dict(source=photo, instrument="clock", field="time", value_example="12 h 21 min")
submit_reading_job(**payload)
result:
9 h 20 min
